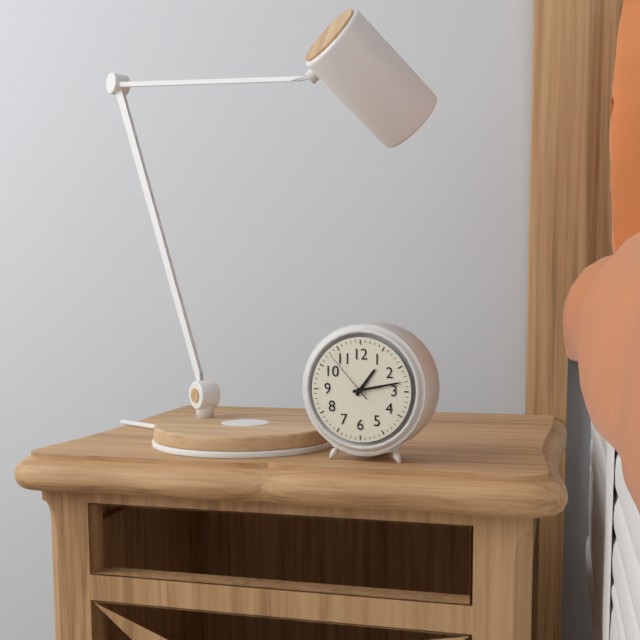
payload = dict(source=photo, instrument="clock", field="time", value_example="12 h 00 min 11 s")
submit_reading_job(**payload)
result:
1 h 13 min 53 s
